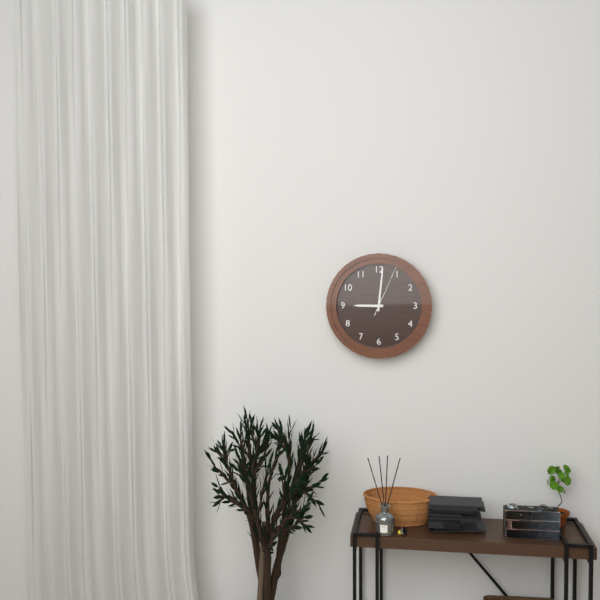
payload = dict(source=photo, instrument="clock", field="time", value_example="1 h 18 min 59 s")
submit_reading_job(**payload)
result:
9 h 01 min 04 s
